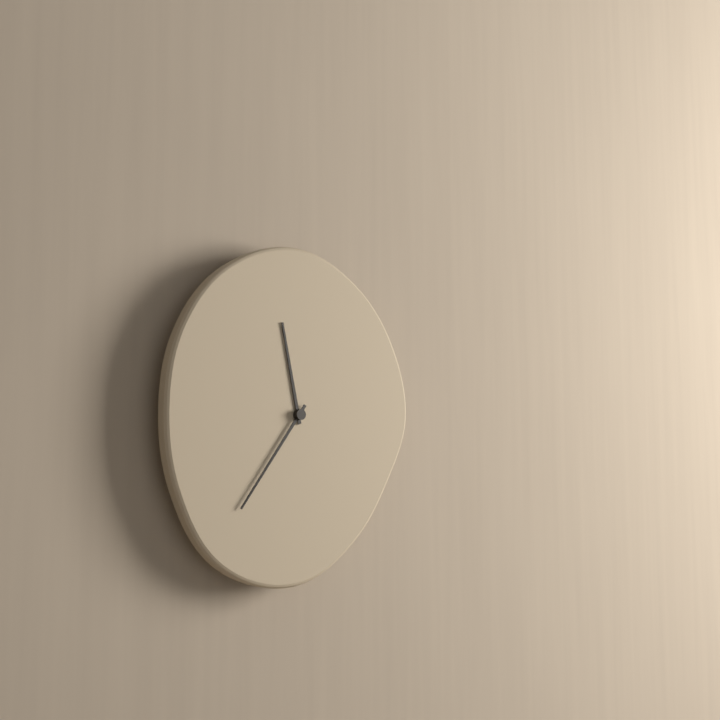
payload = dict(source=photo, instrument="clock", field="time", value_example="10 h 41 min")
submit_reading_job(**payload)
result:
11 h 36 min
